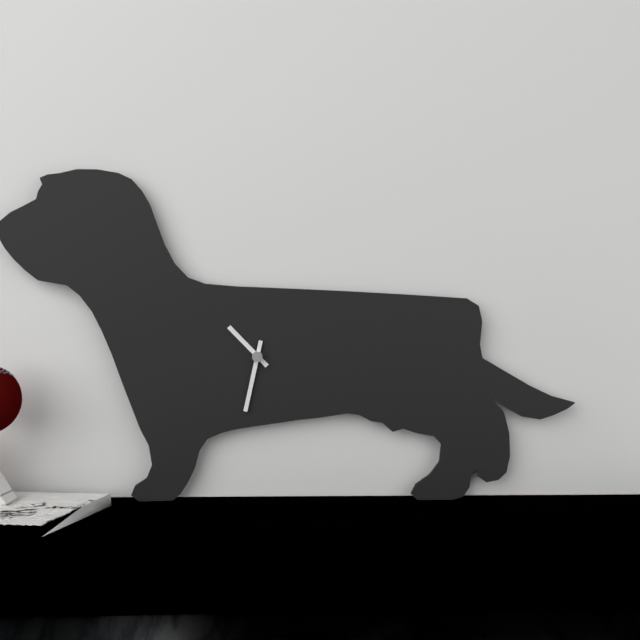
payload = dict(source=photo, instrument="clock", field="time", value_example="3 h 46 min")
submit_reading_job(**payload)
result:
10 h 32 min
